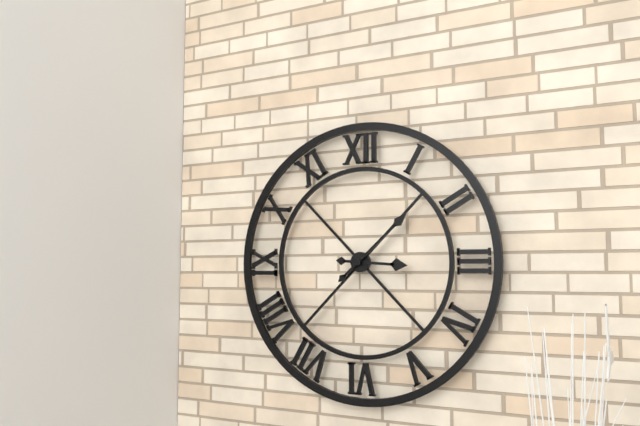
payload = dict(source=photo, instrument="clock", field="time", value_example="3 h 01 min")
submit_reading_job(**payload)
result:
3 h 08 min
